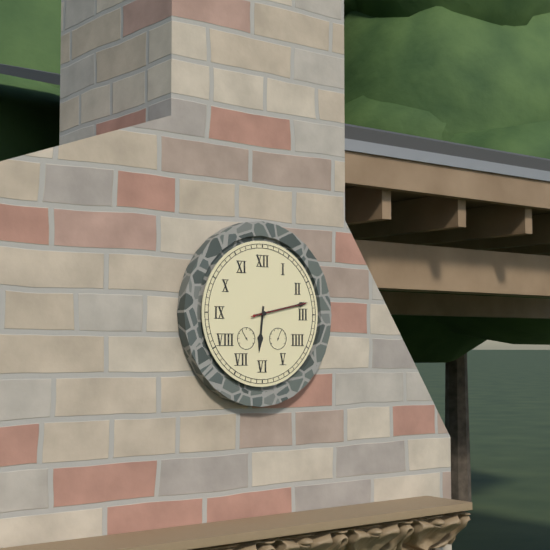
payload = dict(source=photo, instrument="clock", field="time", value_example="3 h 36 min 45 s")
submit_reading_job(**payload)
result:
6 h 13 min 13 s
